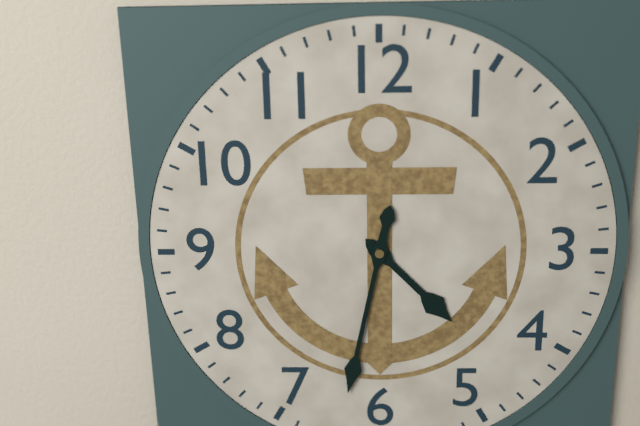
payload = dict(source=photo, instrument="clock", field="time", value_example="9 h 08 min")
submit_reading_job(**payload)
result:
4 h 32 min
